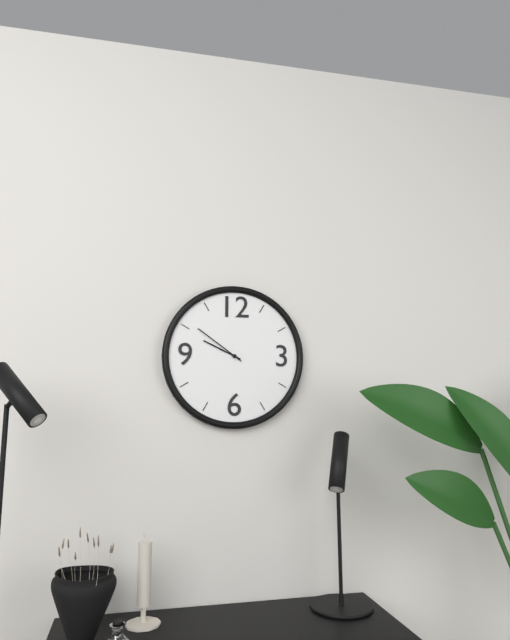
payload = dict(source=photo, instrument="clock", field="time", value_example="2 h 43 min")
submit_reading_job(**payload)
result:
9 h 51 min
